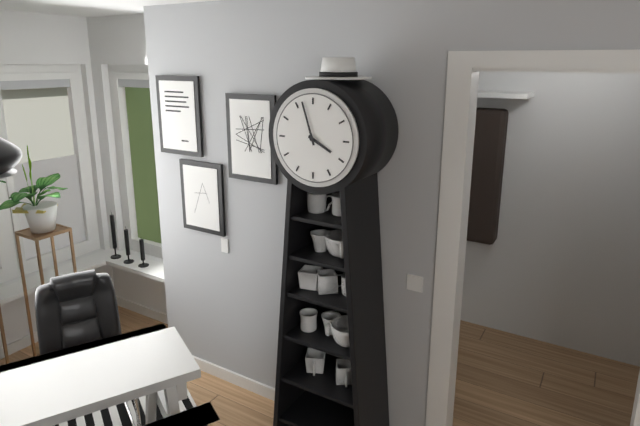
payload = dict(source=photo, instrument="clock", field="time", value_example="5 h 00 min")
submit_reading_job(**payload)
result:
3 h 57 min
